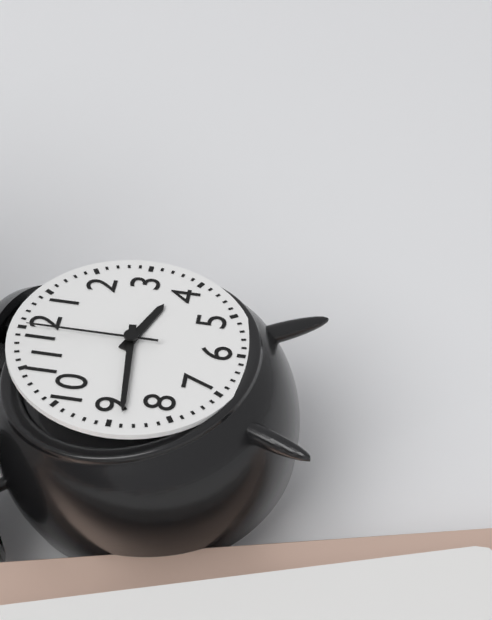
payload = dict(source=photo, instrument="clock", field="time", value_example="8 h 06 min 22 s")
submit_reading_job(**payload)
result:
3 h 44 min 00 s
